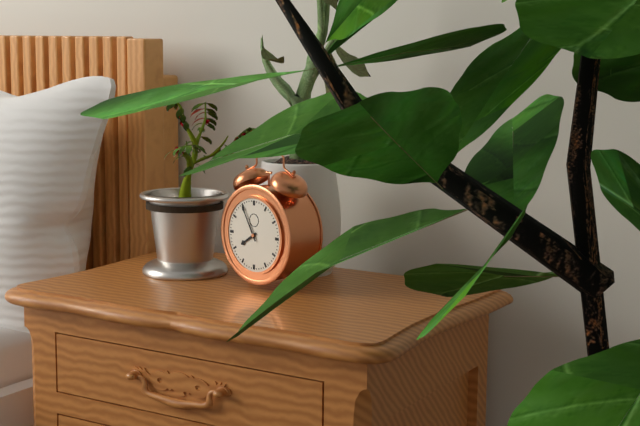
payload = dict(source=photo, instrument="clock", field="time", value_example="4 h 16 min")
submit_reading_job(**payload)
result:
7 h 55 min
